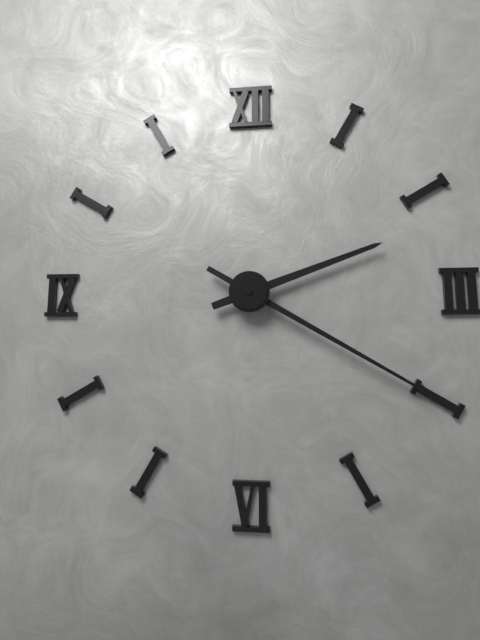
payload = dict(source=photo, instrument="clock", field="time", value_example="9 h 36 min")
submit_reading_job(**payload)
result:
2 h 20 min
